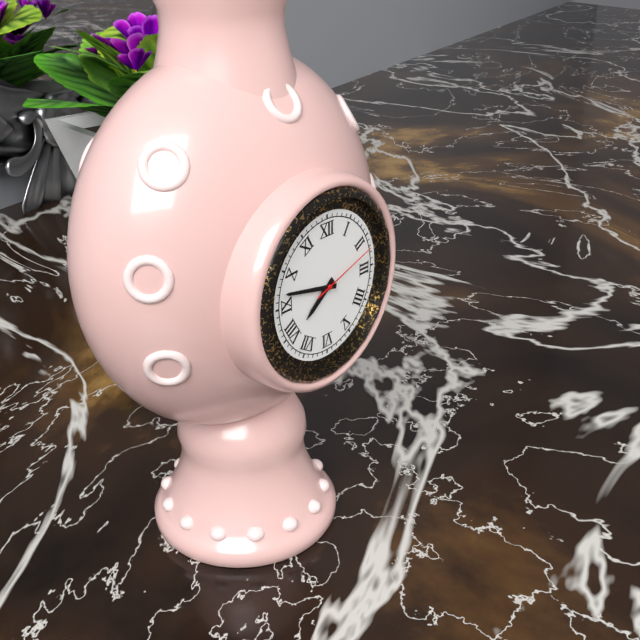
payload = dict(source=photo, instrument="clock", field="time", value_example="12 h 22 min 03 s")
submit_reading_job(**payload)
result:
7 h 47 min 12 s
